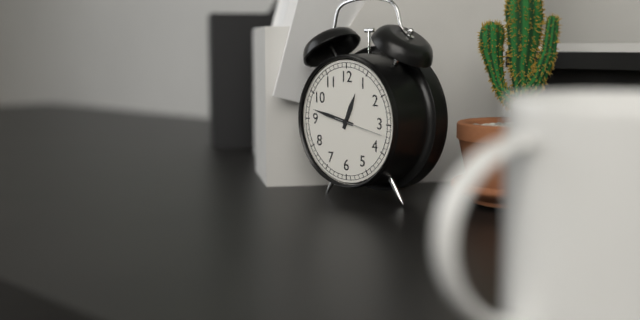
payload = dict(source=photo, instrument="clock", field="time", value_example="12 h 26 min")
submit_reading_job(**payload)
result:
12 h 47 min
